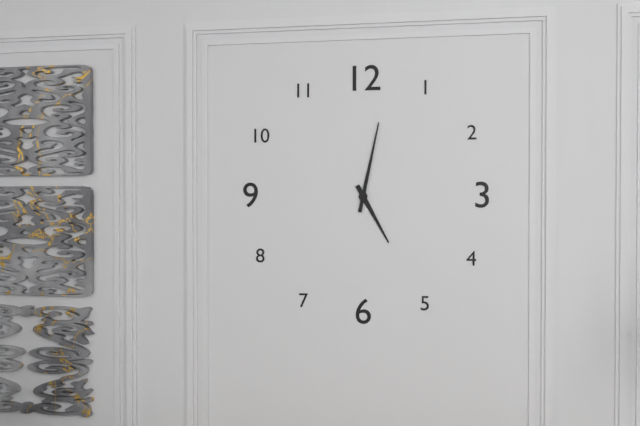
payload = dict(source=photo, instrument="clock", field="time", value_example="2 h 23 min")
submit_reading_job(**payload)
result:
5 h 02 min
